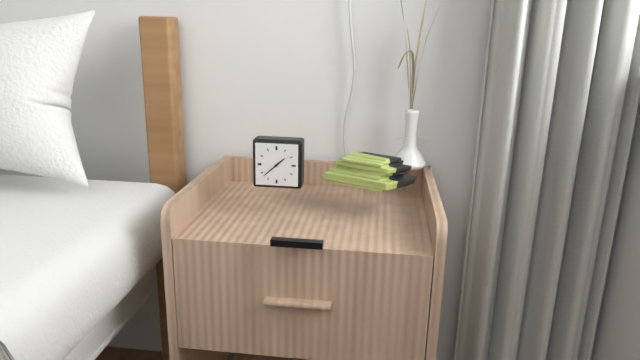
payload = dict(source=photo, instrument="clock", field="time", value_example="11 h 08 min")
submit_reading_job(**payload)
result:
1 h 38 min
